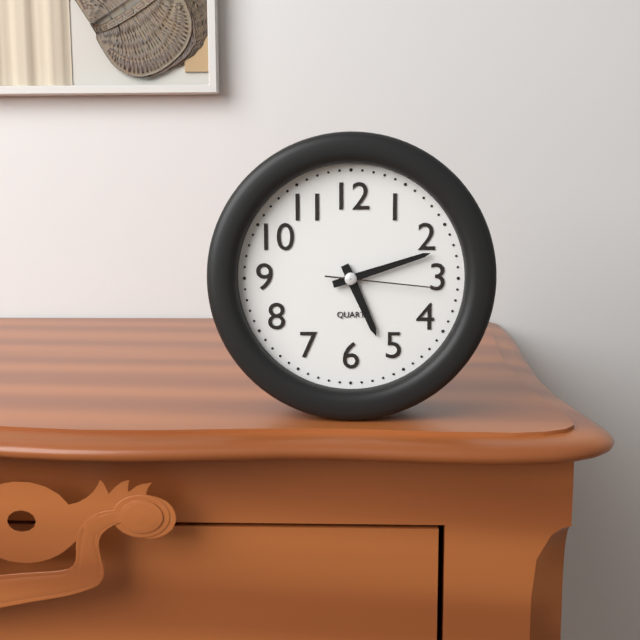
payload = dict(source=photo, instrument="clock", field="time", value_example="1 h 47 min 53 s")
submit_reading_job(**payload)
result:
5 h 12 min 16 s
